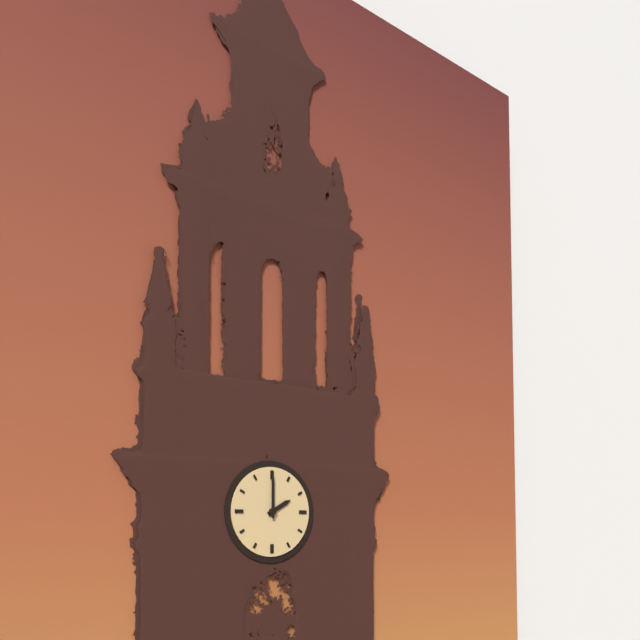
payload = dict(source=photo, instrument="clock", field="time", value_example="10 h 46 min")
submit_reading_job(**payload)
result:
2 h 00 min
